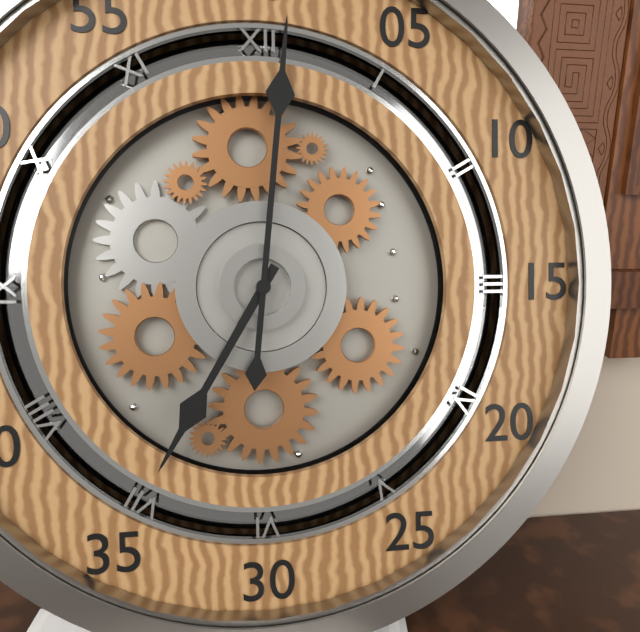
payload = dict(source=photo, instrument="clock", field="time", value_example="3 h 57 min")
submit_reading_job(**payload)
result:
7 h 01 min
